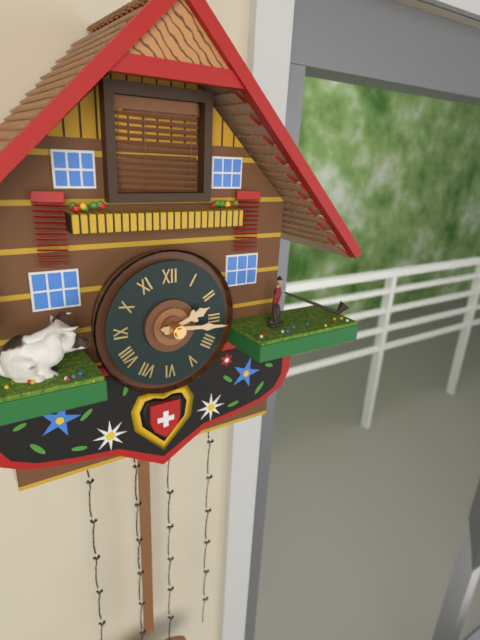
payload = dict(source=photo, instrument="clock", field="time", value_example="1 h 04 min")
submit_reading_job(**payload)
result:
2 h 16 min
